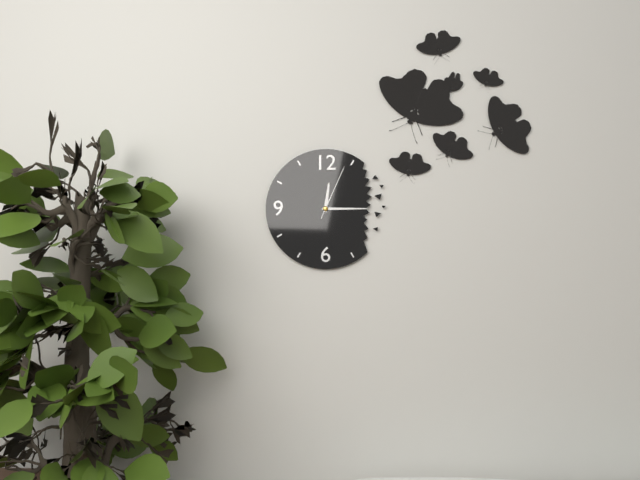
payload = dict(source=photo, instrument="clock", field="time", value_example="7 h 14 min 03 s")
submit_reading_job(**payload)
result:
12 h 15 min 04 s
